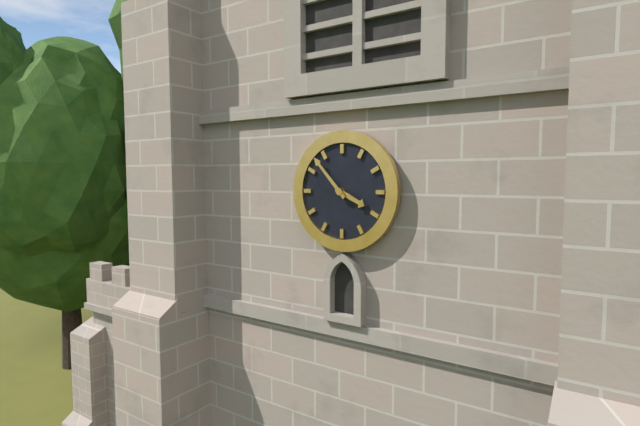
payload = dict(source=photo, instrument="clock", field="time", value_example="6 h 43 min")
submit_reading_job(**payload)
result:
3 h 53 min
